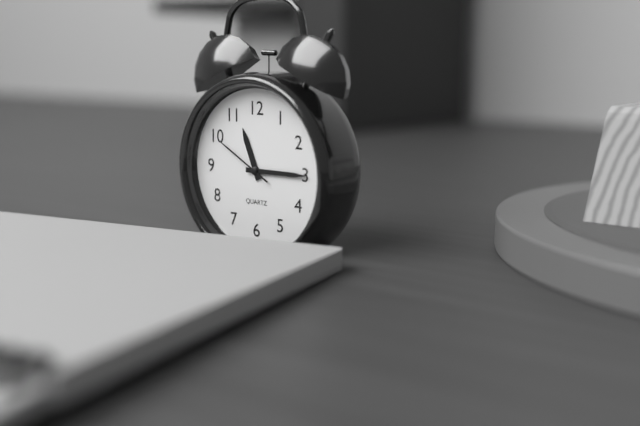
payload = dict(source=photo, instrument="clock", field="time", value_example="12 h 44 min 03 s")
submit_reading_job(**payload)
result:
11 h 15 min 50 s
